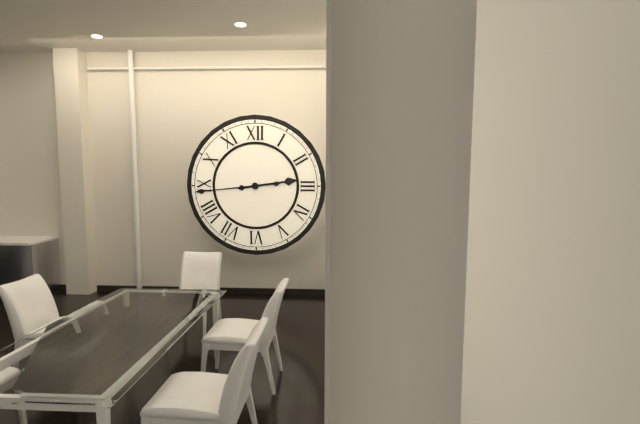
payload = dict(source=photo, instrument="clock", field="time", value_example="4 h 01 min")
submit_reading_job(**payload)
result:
2 h 44 min
